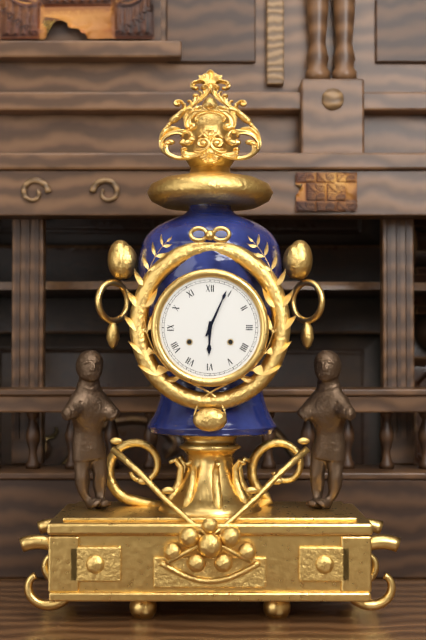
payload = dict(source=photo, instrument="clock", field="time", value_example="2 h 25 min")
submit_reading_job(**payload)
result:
6 h 04 min
